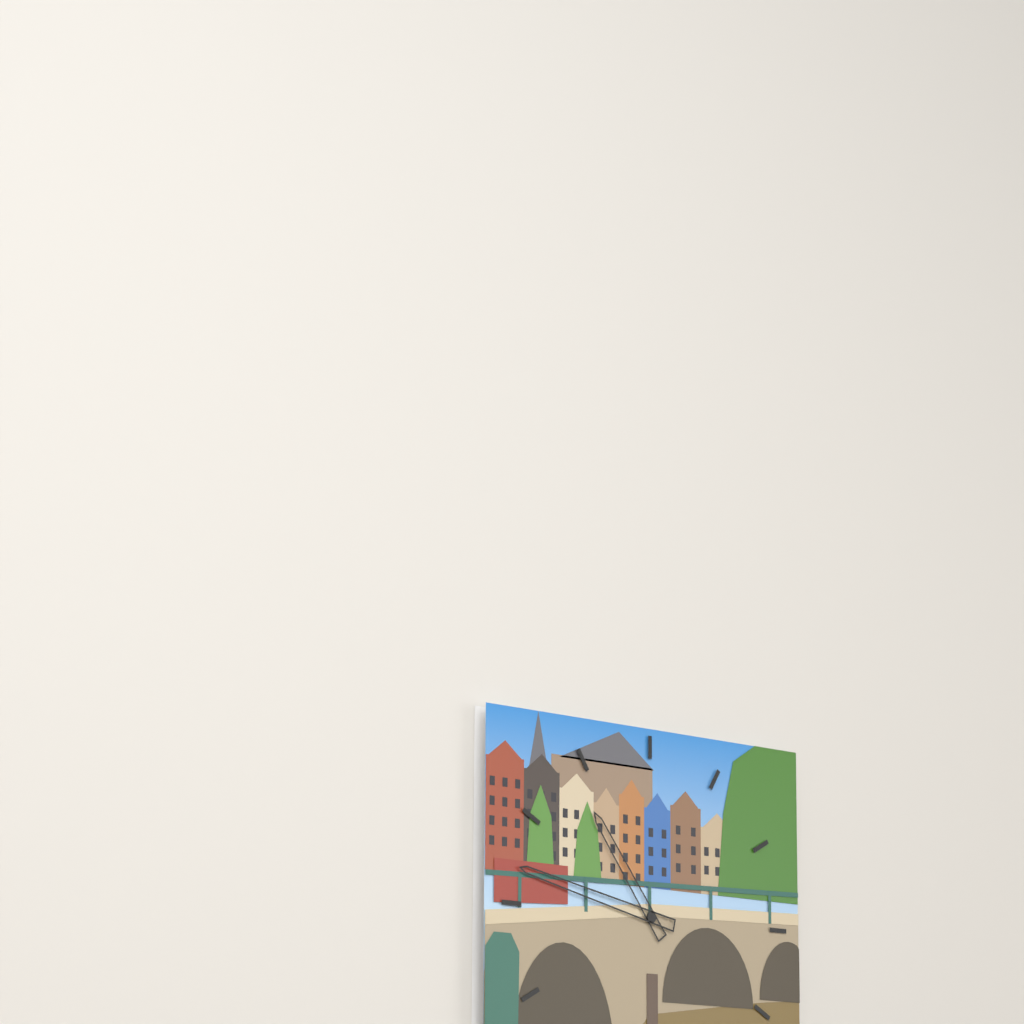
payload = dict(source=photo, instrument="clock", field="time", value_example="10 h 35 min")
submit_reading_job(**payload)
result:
10 h 47 min
